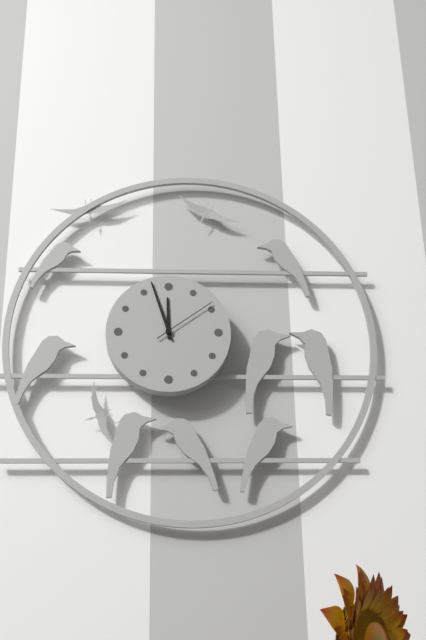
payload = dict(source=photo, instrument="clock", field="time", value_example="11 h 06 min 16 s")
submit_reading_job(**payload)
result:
11 h 57 min 09 s
